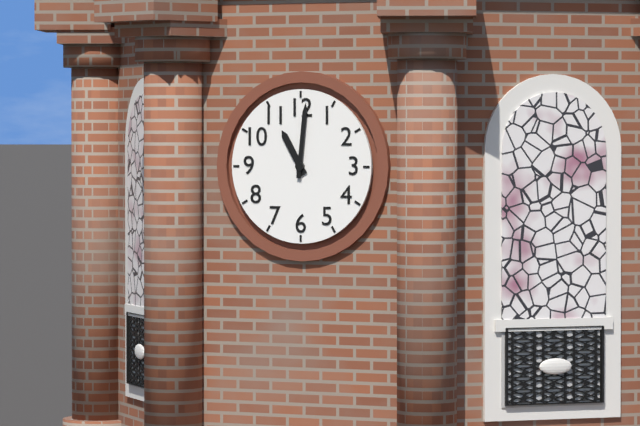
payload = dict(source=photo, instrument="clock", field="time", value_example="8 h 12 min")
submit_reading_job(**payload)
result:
11 h 01 min
